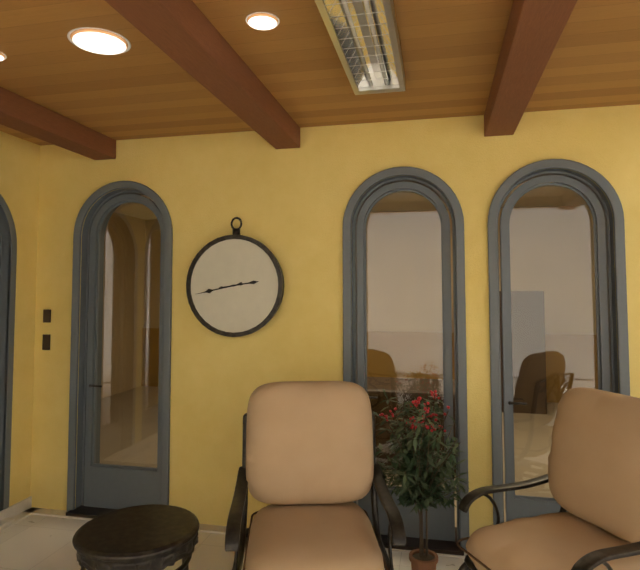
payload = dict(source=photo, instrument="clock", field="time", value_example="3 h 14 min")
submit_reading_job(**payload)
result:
2 h 43 min
